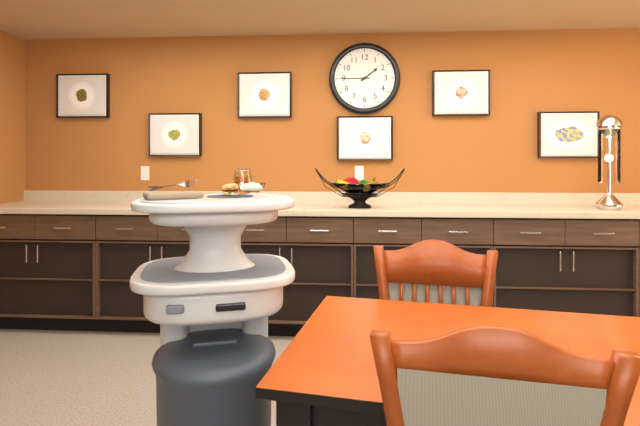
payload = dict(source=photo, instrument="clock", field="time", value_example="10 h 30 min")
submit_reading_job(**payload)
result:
1 h 45 min
